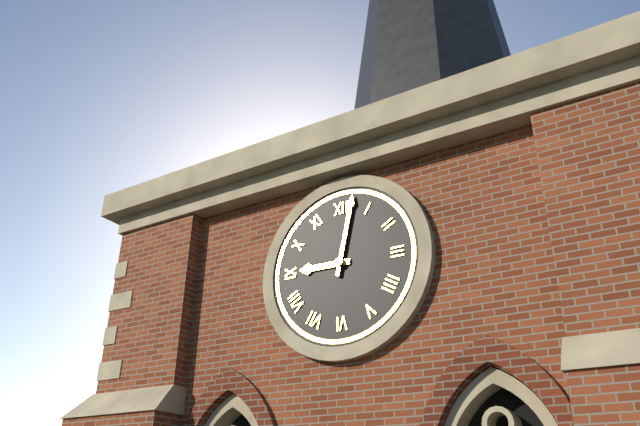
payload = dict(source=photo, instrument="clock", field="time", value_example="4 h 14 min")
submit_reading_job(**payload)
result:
9 h 02 min
